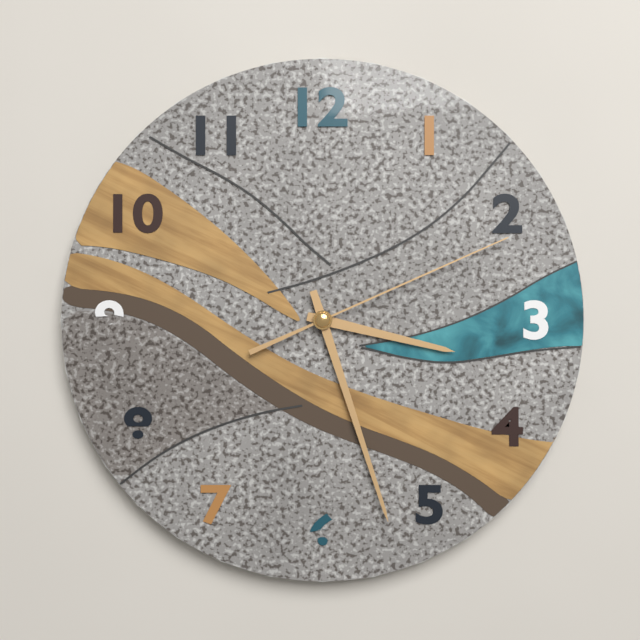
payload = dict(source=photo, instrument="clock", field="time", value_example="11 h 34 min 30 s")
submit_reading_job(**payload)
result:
3 h 27 min 11 s
